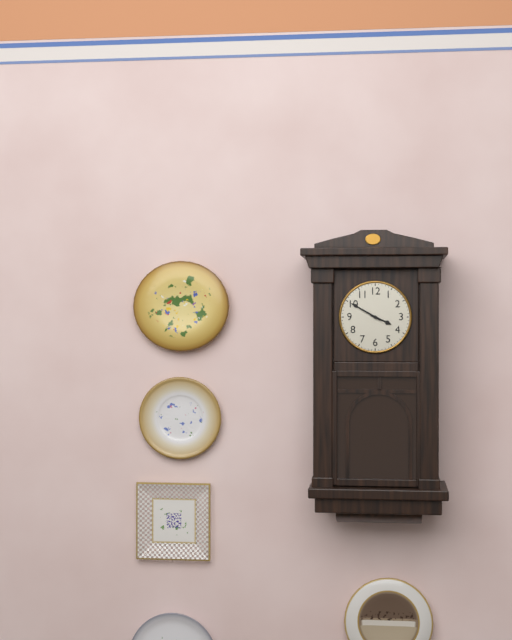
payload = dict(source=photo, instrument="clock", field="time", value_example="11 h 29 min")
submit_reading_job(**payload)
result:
3 h 50 min
